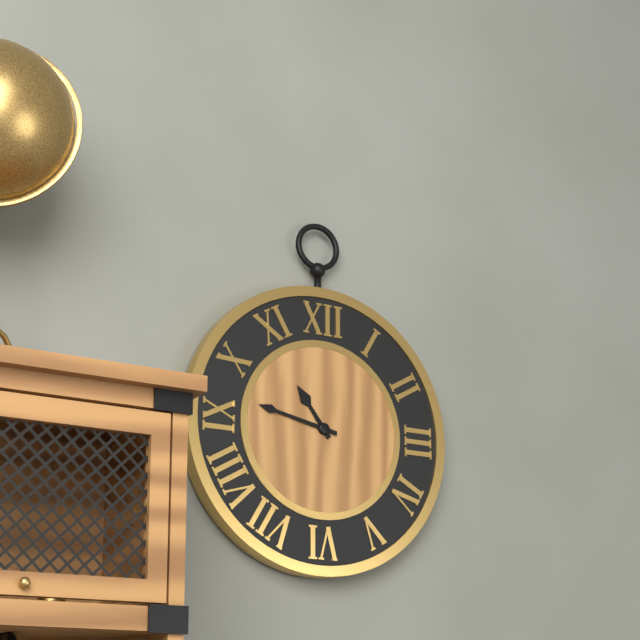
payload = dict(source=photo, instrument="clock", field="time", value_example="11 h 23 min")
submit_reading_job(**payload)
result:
10 h 47 min
